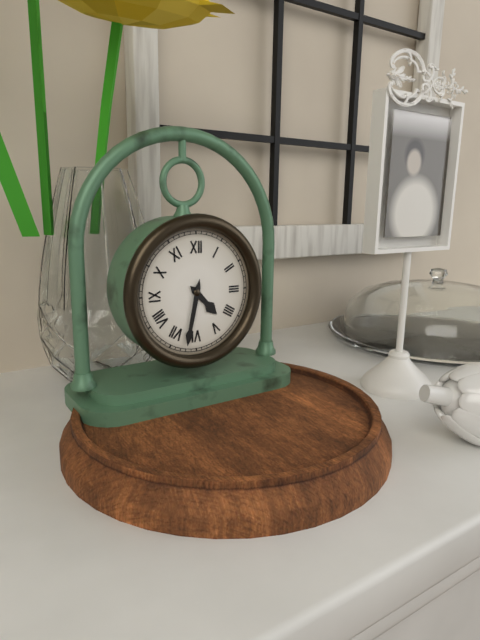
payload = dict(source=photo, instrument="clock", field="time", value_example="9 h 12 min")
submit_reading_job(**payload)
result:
4 h 32 min
